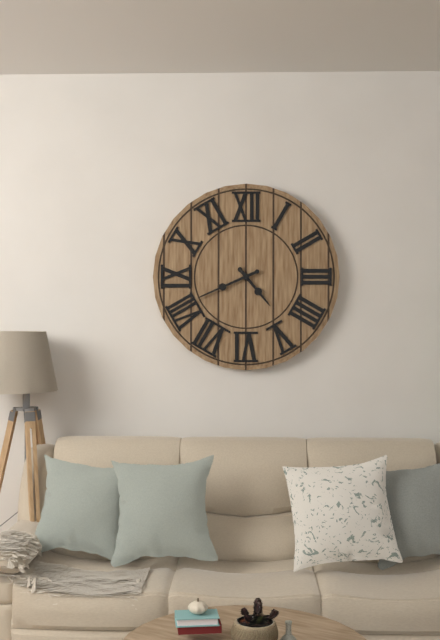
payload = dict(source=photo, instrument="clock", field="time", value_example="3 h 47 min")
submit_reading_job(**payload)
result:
4 h 41 min
